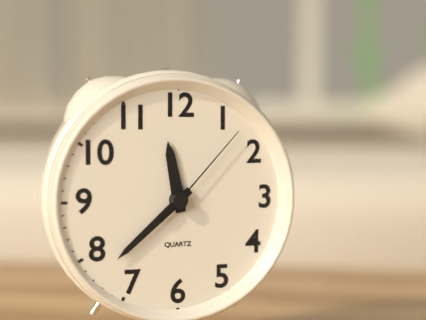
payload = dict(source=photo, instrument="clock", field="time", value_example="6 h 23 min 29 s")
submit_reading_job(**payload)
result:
11 h 38 min 07 s
